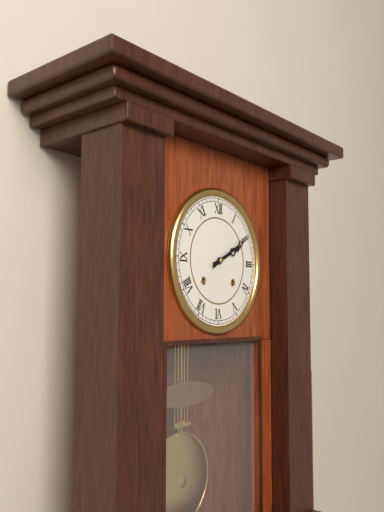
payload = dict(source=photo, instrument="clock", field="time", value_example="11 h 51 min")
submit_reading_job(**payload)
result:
2 h 10 min
